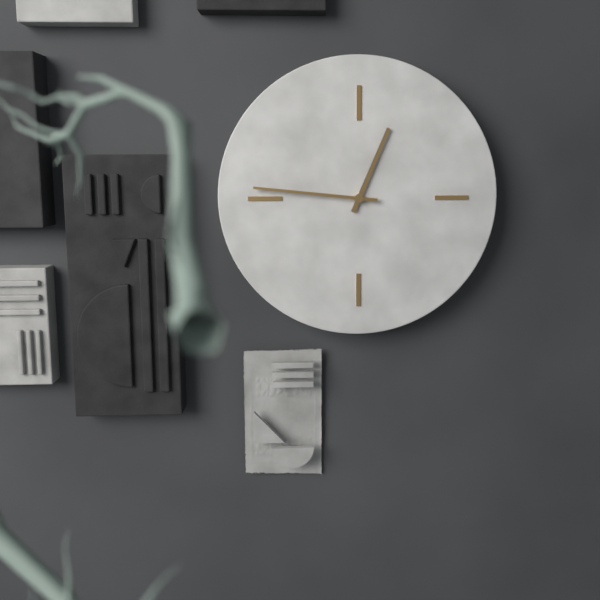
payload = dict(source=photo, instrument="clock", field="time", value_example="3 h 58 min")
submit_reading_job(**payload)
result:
12 h 46 min
